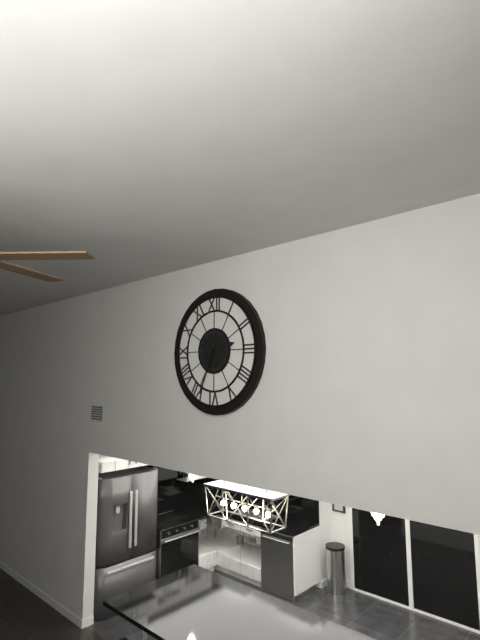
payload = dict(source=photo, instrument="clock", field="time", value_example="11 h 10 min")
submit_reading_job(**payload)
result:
2 h 34 min
